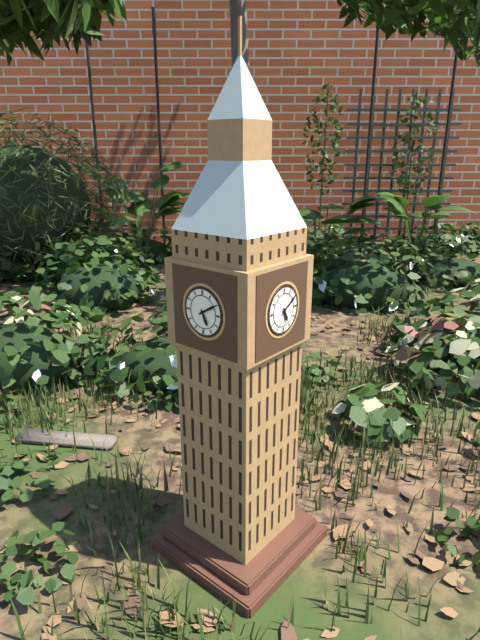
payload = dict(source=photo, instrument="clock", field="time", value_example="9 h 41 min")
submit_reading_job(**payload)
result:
5 h 10 min
